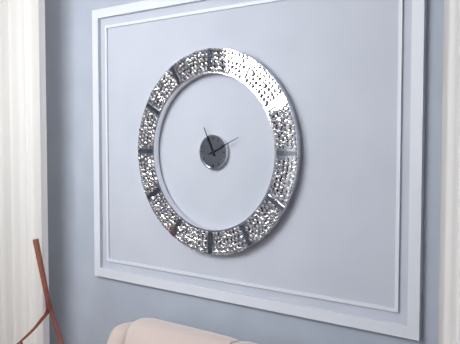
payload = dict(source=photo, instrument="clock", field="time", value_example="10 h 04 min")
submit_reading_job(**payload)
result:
11 h 11 min
